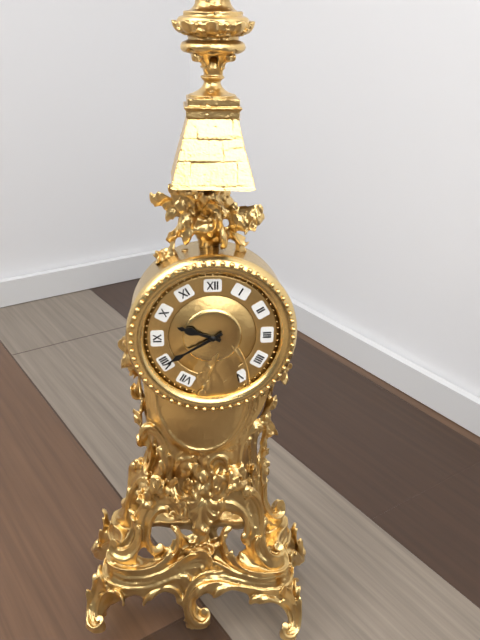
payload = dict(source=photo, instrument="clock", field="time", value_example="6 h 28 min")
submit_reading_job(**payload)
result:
9 h 40 min
